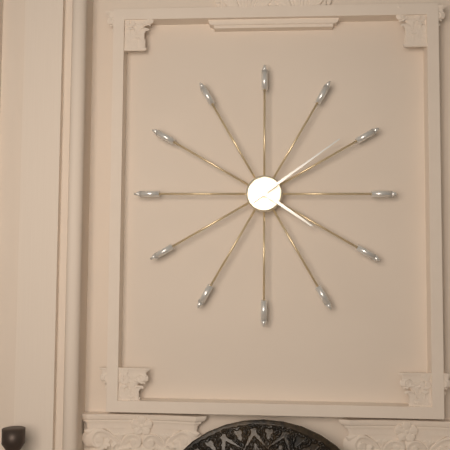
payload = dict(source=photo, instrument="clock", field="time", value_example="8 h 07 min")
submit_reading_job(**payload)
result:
4 h 09 min
